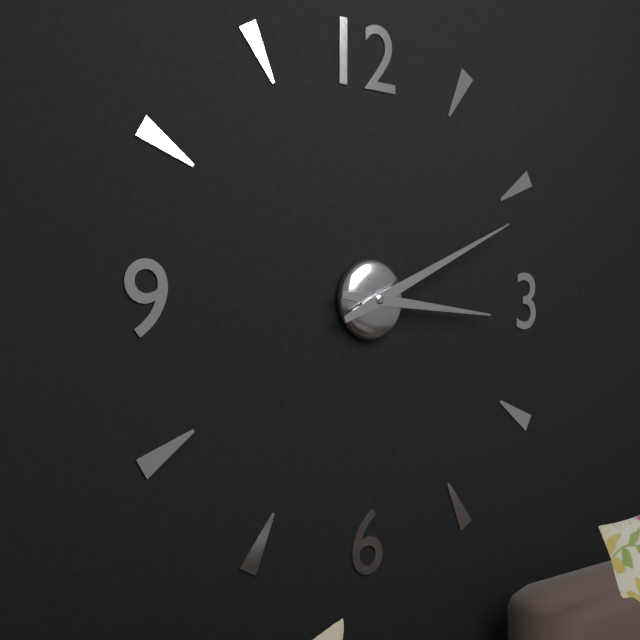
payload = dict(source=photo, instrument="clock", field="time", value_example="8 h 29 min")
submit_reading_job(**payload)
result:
3 h 11 min
